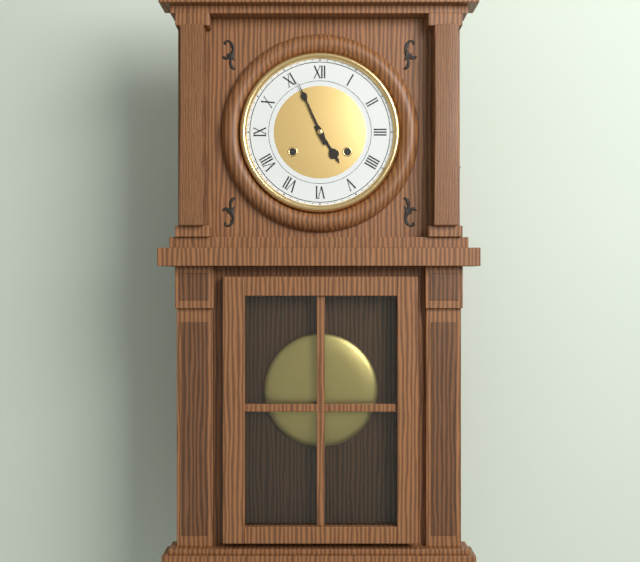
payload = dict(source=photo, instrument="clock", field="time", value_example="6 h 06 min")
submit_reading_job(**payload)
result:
4 h 56 min
